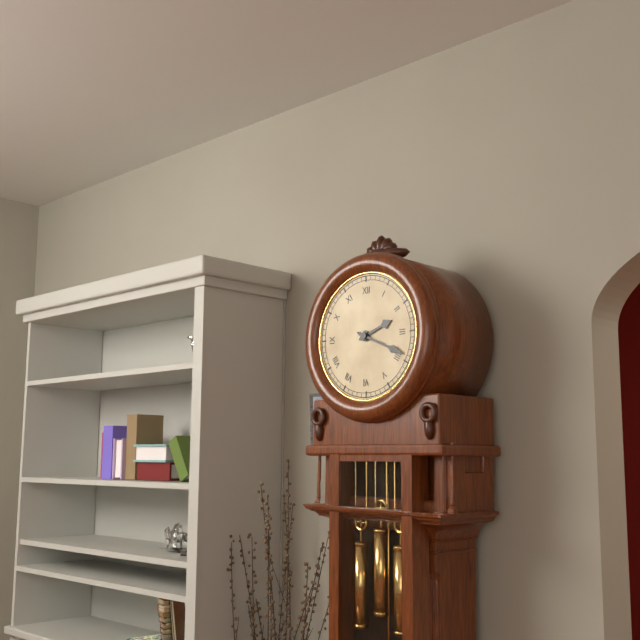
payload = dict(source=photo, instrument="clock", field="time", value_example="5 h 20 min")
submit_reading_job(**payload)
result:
2 h 19 min
